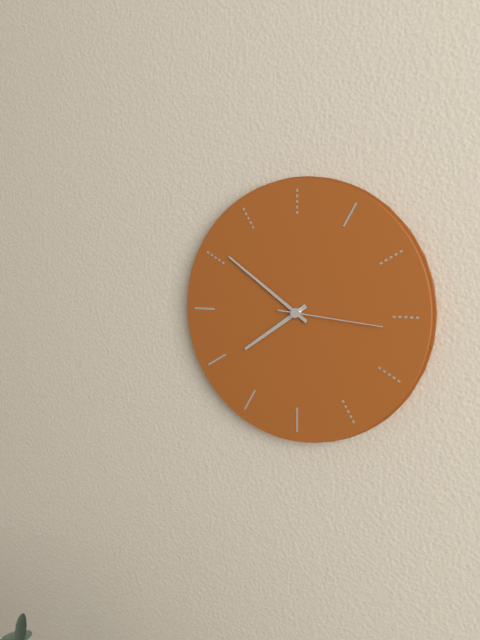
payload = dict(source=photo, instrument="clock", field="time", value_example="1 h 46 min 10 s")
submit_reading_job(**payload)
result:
7 h 51 min 16 s
